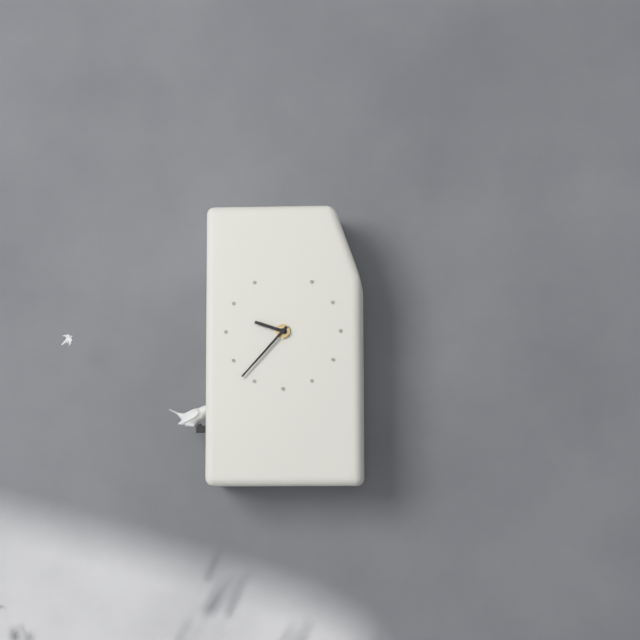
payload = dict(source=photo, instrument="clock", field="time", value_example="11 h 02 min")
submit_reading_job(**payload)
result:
9 h 37 min
